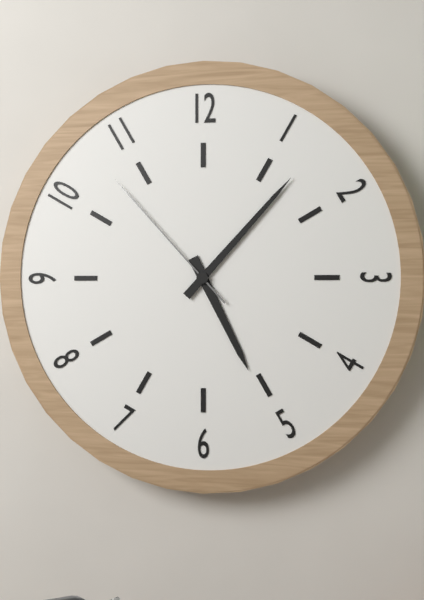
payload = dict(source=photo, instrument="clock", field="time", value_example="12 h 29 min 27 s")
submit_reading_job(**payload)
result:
5 h 07 min 53 s
